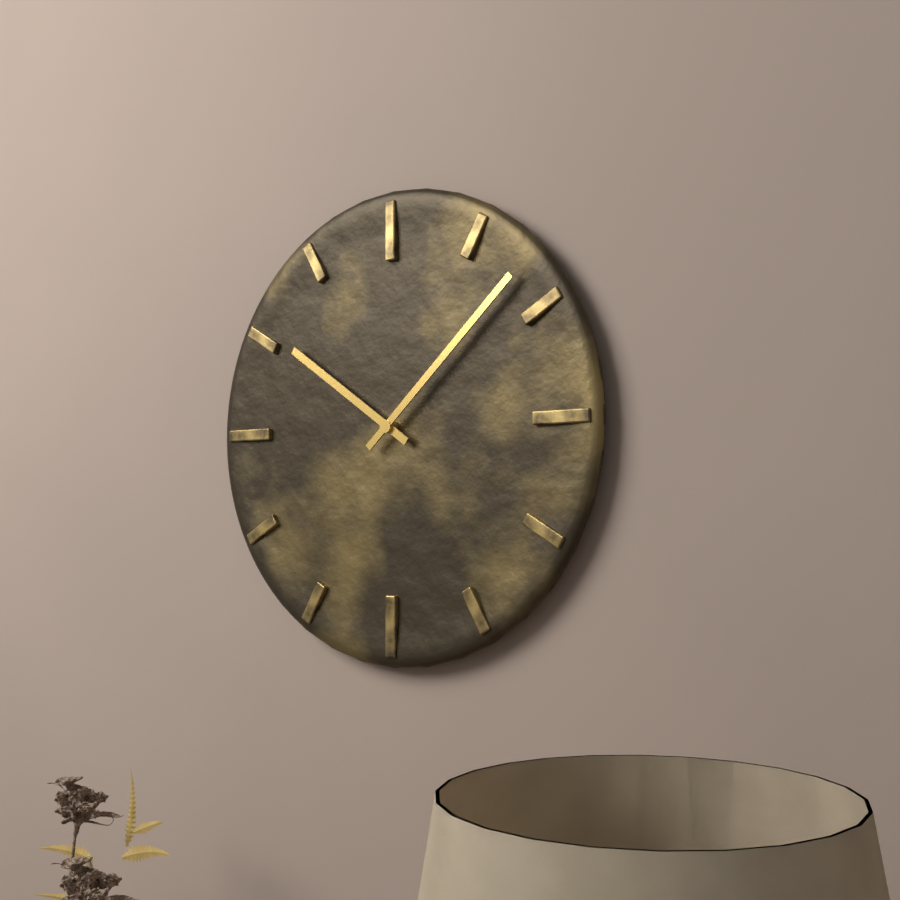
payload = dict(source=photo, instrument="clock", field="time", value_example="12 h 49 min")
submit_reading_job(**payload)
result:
10 h 08 min
